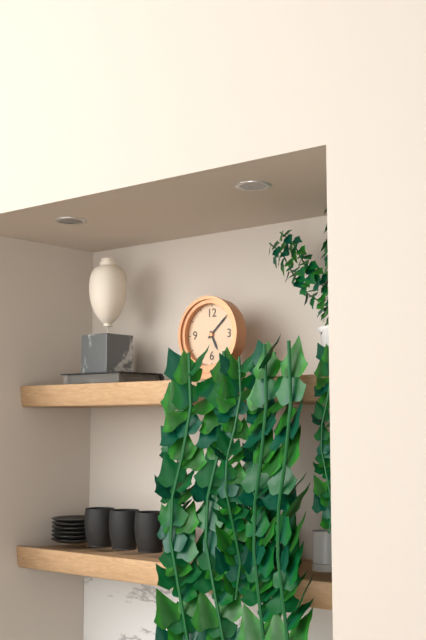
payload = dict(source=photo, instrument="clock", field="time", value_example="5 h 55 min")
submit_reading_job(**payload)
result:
5 h 08 min
